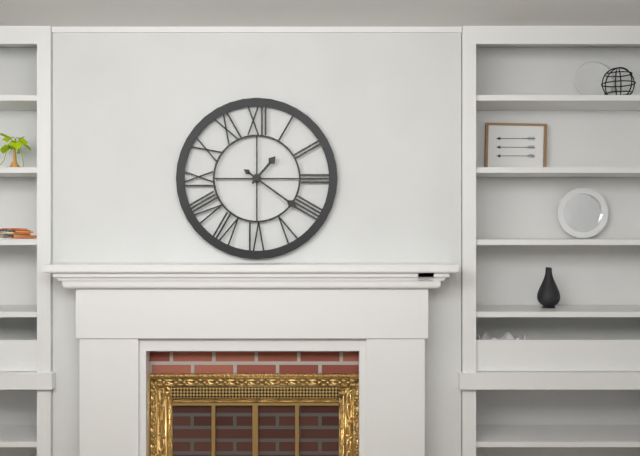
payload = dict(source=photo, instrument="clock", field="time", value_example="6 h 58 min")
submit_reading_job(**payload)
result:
1 h 21 min
